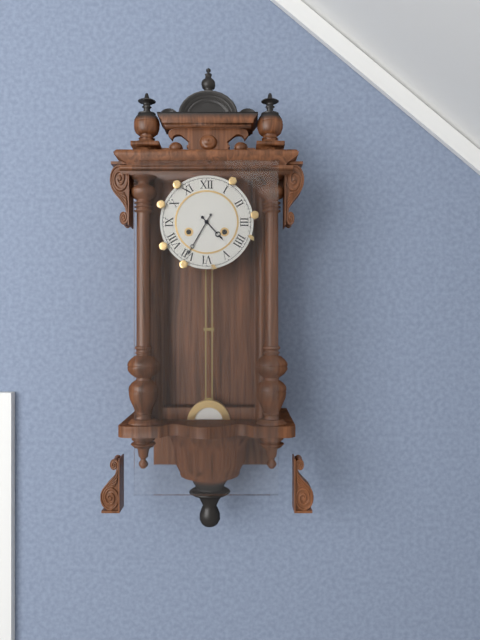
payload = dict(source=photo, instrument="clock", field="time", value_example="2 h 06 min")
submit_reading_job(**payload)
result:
4 h 35 min
